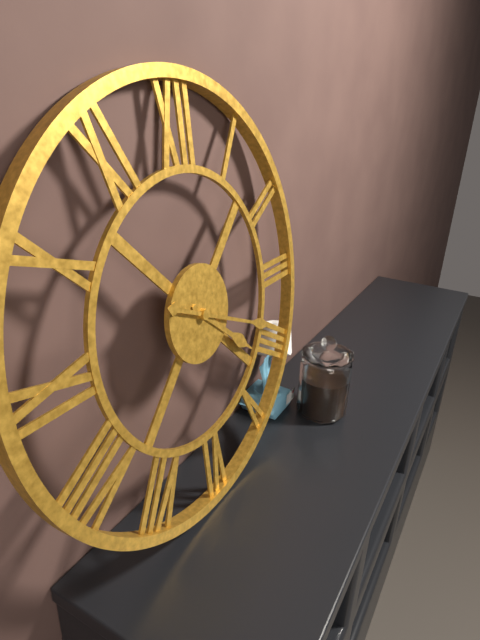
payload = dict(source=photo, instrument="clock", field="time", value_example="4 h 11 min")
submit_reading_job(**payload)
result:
4 h 19 min
